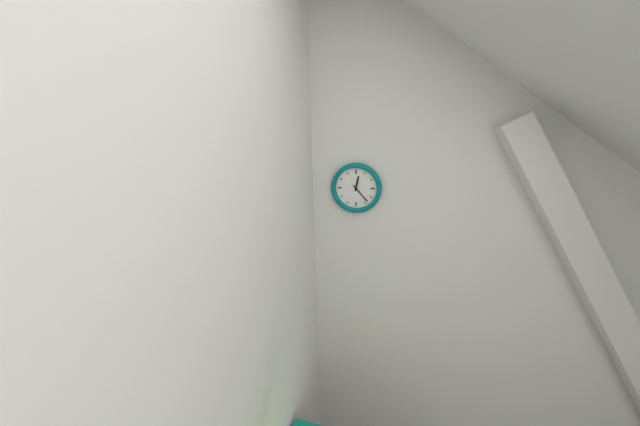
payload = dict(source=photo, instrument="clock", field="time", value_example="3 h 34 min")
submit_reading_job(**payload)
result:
12 h 23 min
